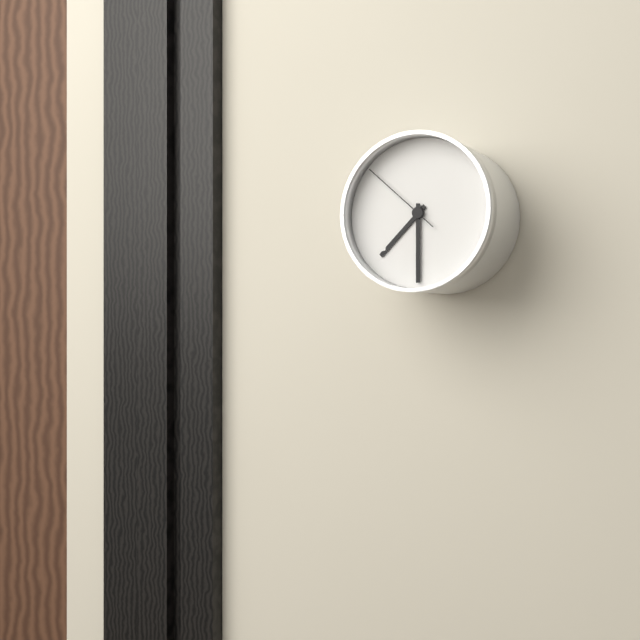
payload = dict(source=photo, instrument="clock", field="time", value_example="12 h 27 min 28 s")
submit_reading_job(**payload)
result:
7 h 30 min 52 s
